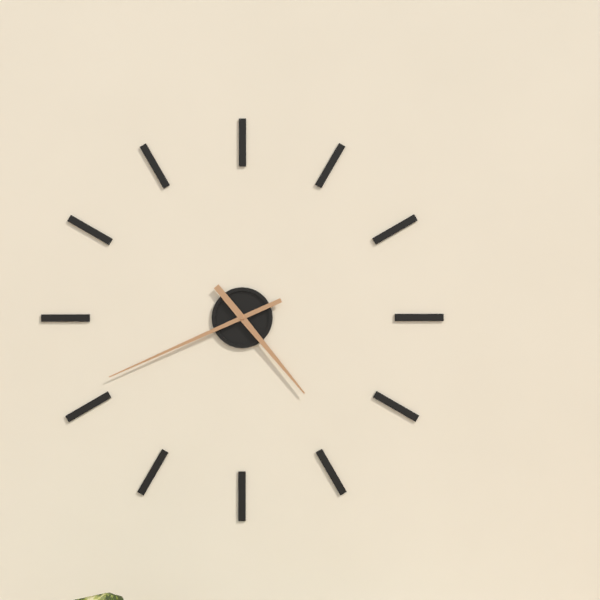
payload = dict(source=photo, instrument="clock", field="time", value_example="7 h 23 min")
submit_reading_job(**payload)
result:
4 h 41 min
